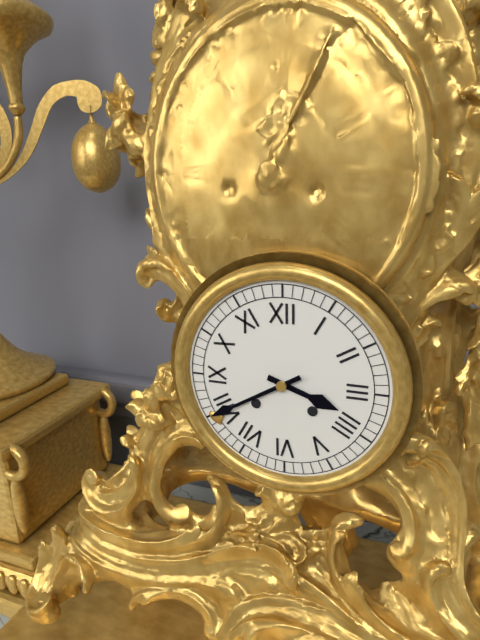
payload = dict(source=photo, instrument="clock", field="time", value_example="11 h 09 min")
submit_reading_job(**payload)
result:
3 h 40 min
